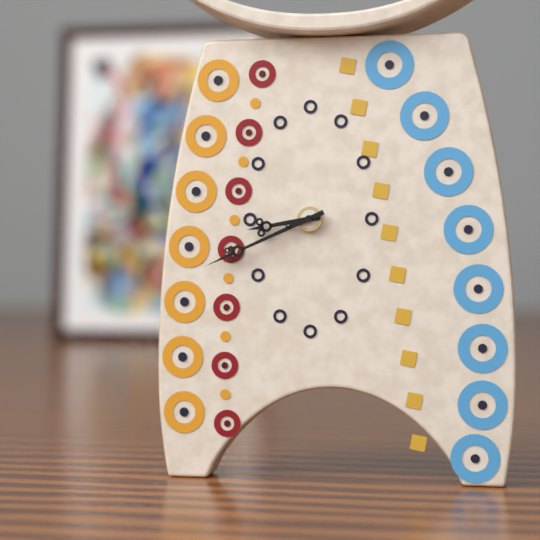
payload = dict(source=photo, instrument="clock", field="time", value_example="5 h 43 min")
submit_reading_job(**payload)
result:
8 h 41 min
